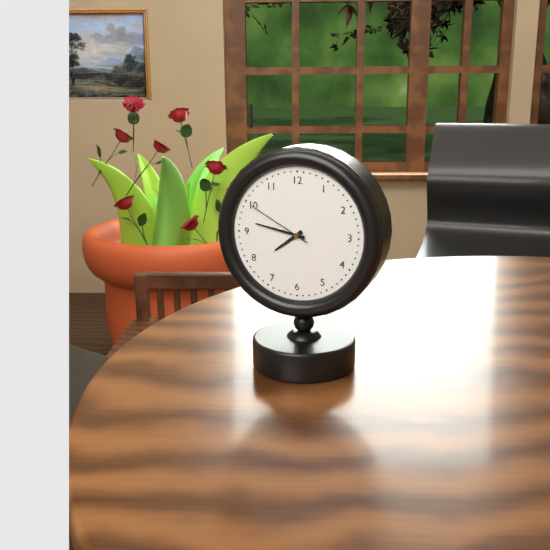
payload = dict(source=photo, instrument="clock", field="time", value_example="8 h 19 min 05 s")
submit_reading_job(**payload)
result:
7 h 47 min 50 s
